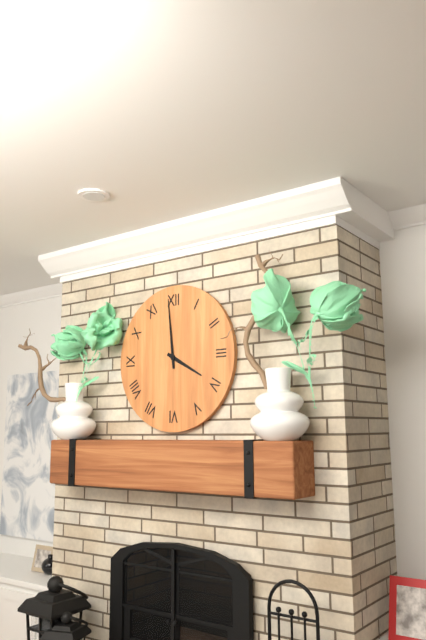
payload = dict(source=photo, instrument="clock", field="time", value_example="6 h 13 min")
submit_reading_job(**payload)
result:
3 h 59 min
